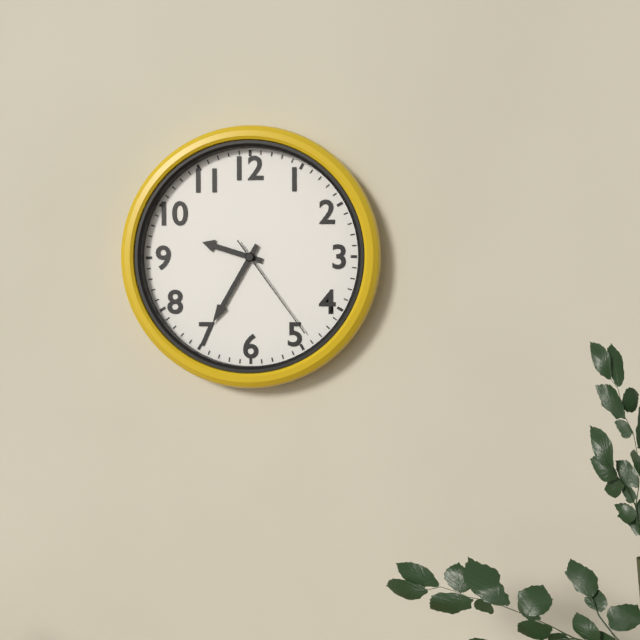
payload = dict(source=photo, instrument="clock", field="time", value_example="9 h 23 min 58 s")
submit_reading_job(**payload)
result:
9 h 35 min 24 s
